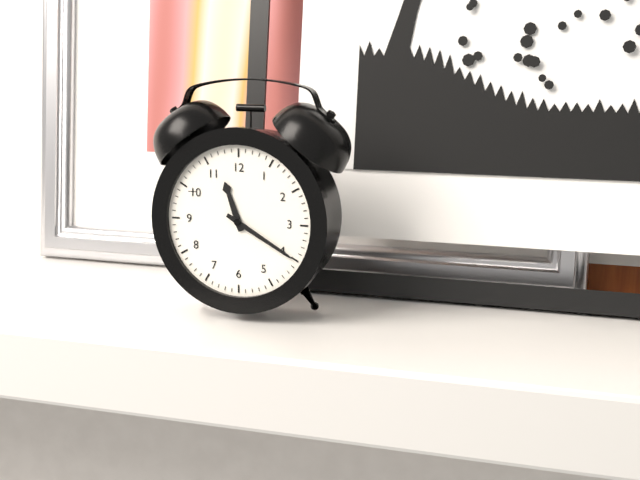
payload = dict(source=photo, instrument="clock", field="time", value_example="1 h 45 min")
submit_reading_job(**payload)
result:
11 h 20 min
